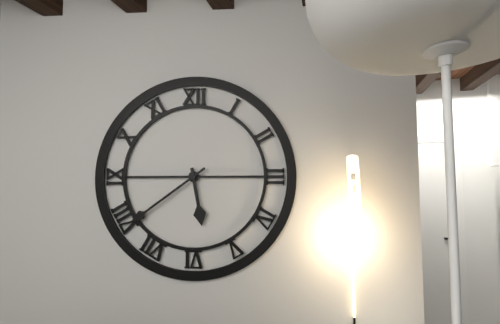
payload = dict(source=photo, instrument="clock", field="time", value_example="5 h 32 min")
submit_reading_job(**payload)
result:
5 h 39 min
